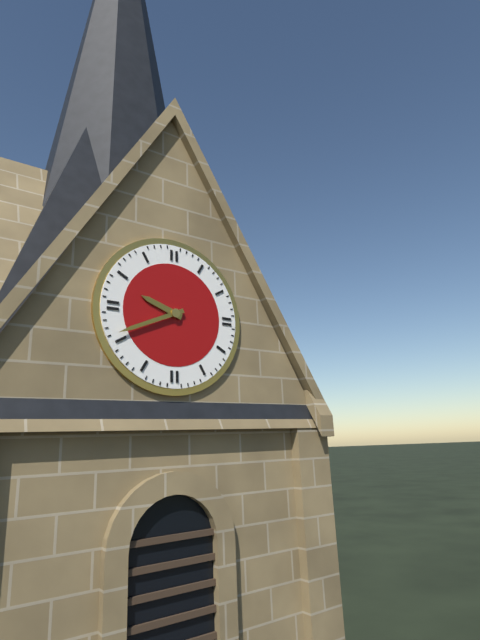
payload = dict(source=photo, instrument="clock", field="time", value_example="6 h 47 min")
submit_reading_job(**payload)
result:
9 h 41 min
